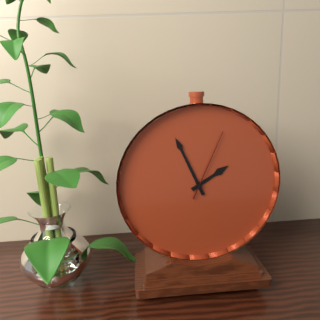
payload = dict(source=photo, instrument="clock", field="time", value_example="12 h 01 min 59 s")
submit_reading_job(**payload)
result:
1 h 56 min 04 s
